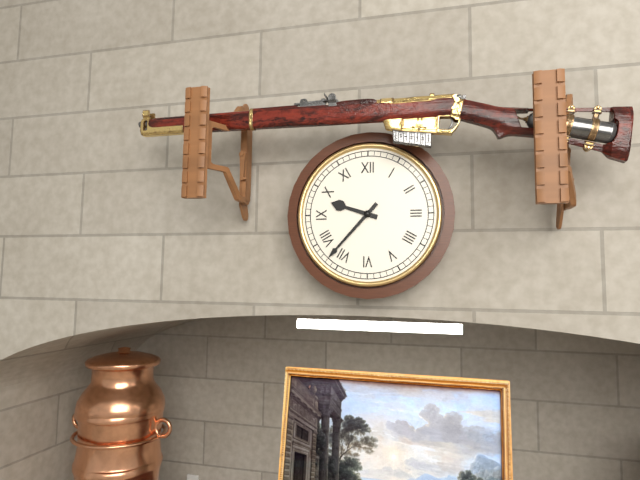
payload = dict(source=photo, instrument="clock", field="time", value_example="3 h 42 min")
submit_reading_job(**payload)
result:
9 h 37 min
